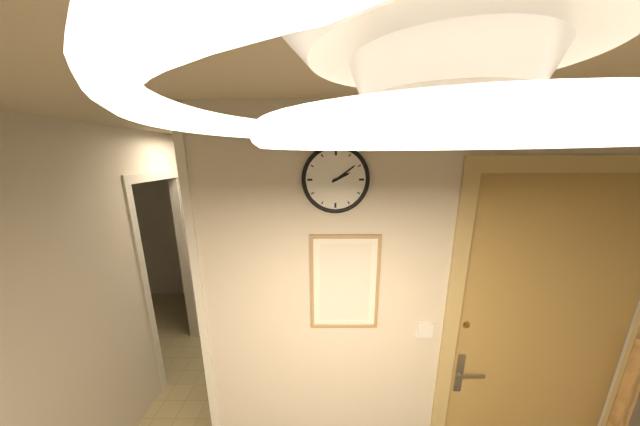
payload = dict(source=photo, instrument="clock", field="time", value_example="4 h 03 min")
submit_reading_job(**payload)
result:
2 h 09 min
